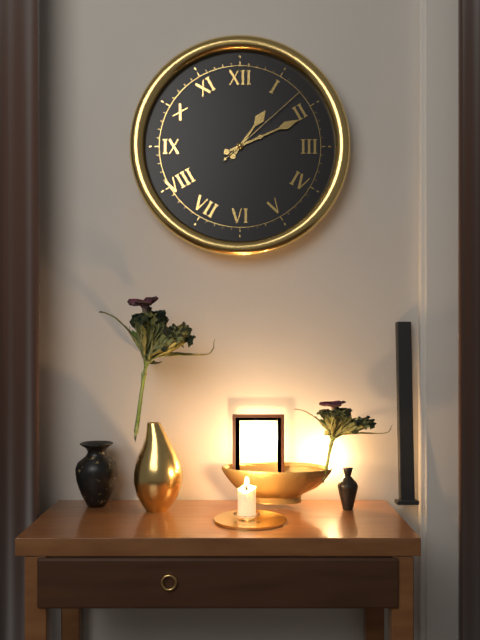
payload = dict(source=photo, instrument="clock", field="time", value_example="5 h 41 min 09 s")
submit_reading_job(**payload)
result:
1 h 11 min 08 s
